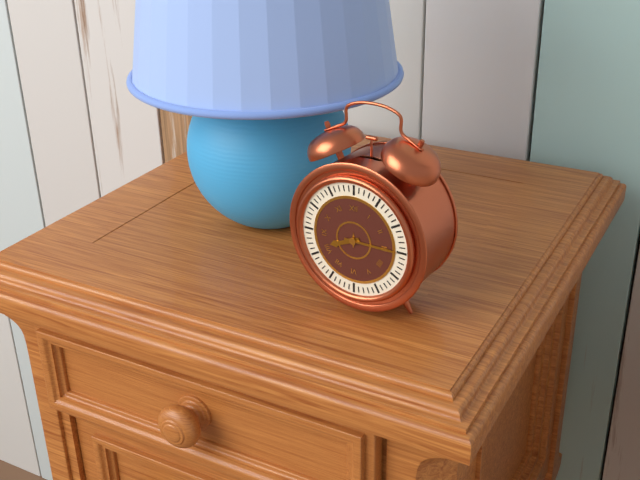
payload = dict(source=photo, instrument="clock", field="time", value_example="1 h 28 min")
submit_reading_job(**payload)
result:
8 h 15 min
